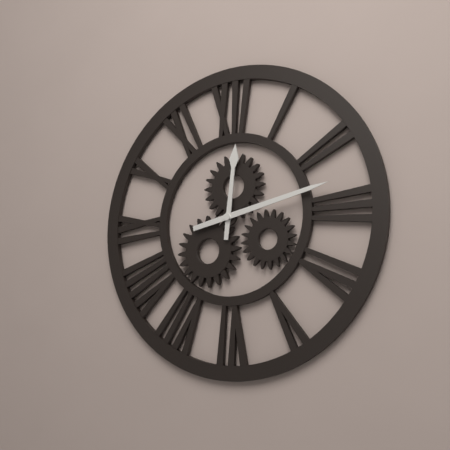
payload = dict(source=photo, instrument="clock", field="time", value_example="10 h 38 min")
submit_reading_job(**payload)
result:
12 h 13 min
